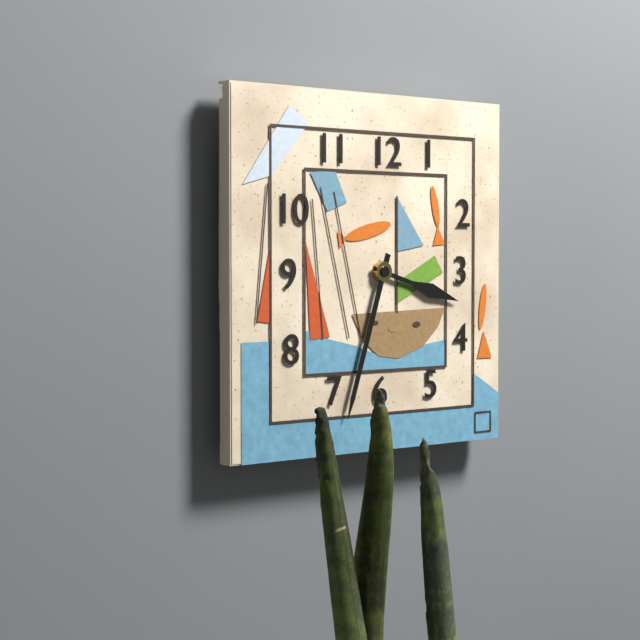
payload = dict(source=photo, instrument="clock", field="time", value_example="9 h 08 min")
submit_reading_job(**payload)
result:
3 h 33 min
